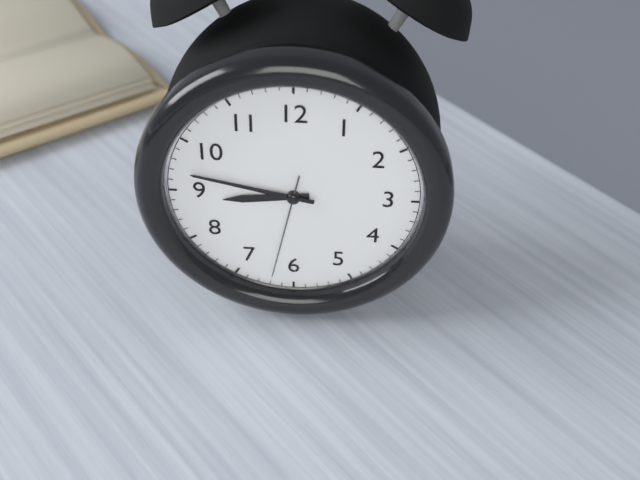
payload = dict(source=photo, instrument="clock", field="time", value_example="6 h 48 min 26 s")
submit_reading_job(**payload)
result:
8 h 47 min 32 s
